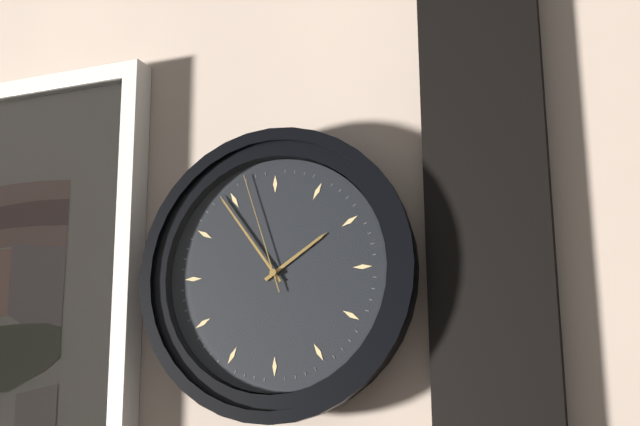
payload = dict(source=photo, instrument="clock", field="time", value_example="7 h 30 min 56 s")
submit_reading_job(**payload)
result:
1 h 54 min 57 s
